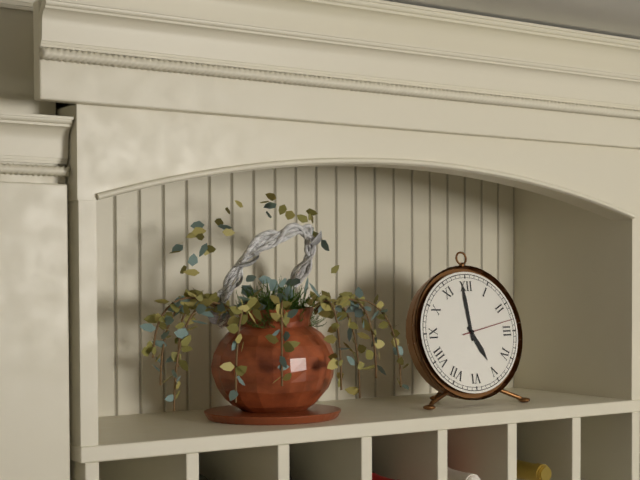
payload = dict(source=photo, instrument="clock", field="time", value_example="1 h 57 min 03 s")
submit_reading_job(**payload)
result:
4 h 59 min 13 s
